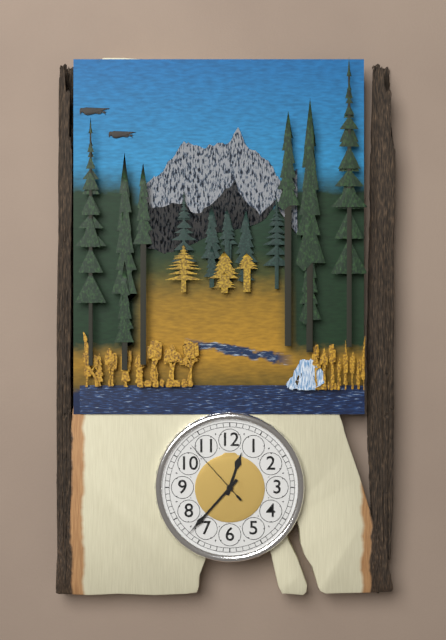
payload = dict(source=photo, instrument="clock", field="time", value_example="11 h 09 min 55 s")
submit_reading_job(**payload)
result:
12 h 37 min 53 s
